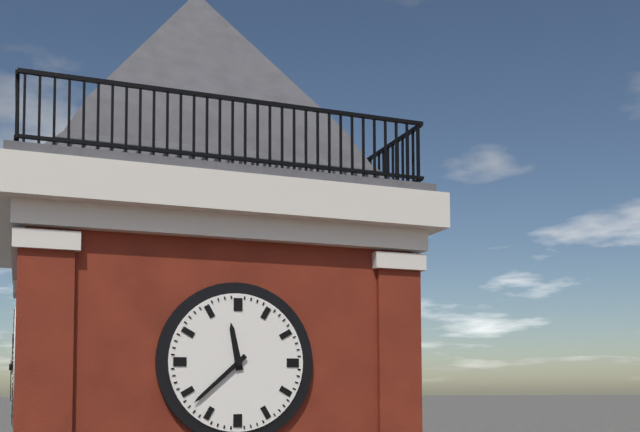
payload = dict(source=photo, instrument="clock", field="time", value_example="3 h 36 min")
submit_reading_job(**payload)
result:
11 h 38 min
